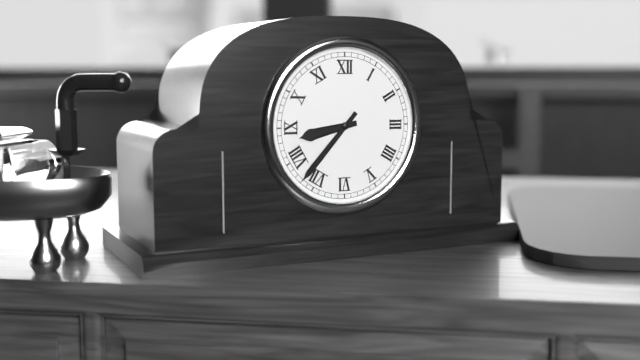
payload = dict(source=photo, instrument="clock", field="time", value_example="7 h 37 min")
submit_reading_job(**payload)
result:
8 h 37 min
